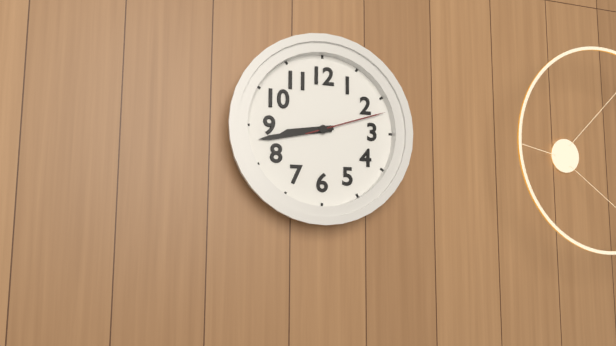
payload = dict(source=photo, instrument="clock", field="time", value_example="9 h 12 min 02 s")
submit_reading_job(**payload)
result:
8 h 43 min 12 s
